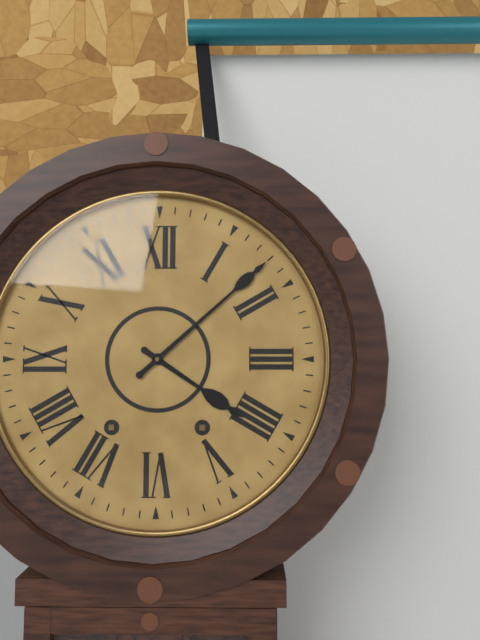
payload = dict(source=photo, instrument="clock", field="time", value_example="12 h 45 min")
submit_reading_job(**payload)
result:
4 h 08 min
